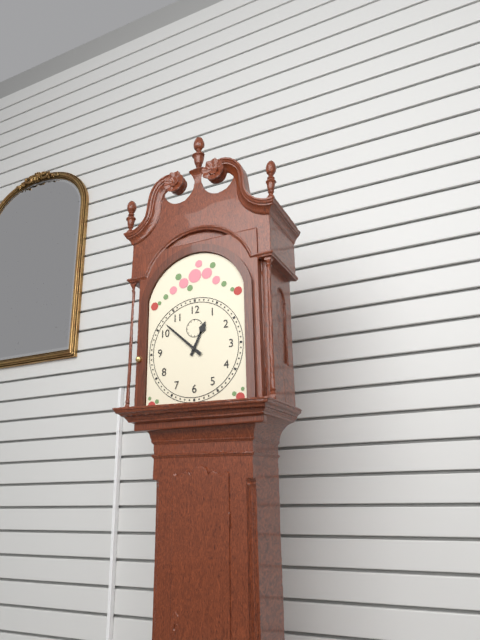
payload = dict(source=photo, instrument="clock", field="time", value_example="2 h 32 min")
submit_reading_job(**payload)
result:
12 h 52 min
